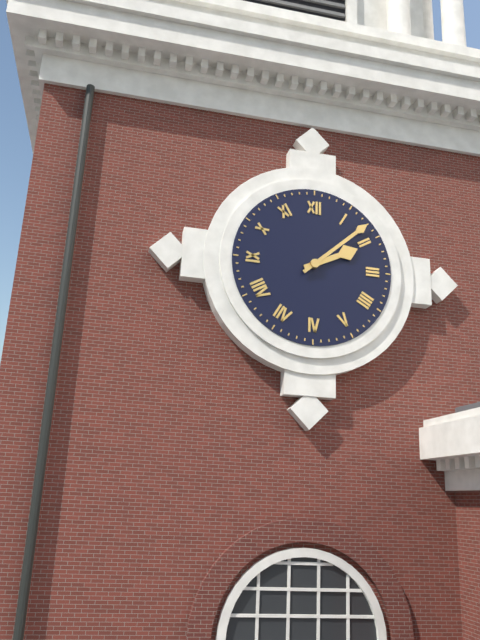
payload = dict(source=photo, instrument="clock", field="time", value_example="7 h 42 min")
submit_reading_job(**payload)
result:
2 h 08 min
